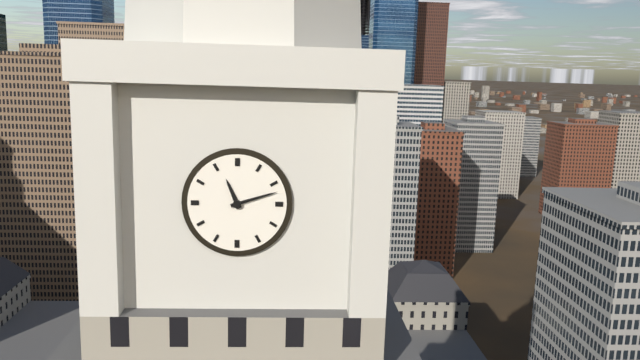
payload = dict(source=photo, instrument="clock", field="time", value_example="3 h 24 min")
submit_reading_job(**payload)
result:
11 h 12 min
